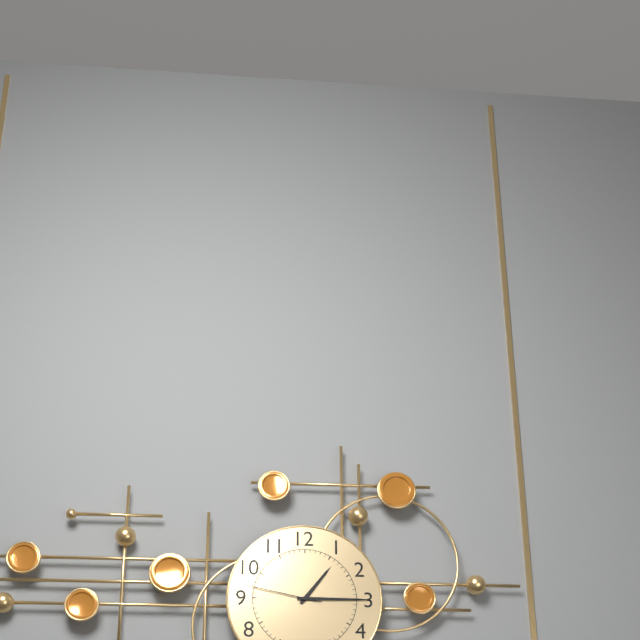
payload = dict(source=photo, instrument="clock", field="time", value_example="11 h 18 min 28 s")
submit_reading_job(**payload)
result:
1 h 15 min 47 s
